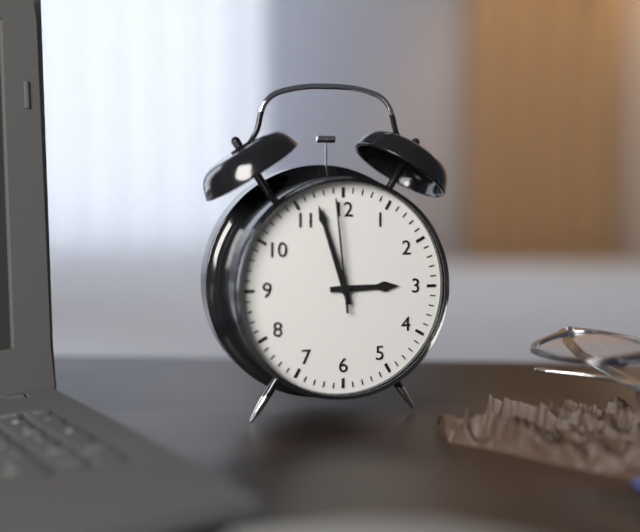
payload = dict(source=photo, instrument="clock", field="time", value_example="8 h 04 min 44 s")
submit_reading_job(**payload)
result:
2 h 57 min 59 s
